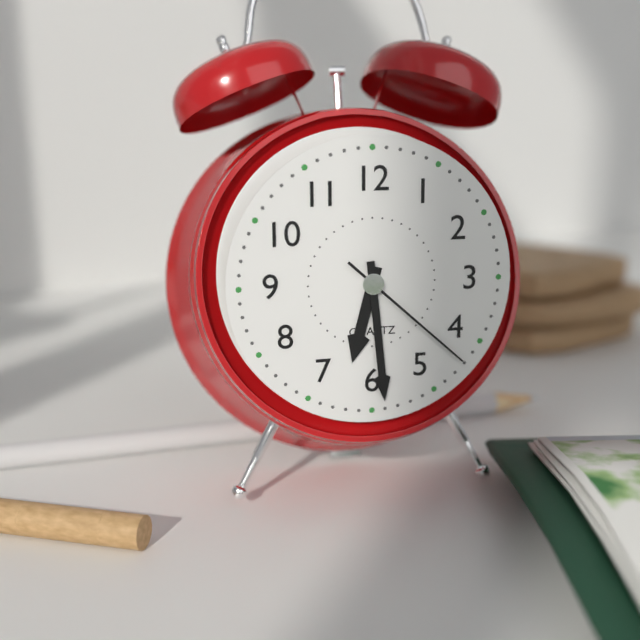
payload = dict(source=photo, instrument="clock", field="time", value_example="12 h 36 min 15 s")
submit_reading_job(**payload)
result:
6 h 29 min 22 s
